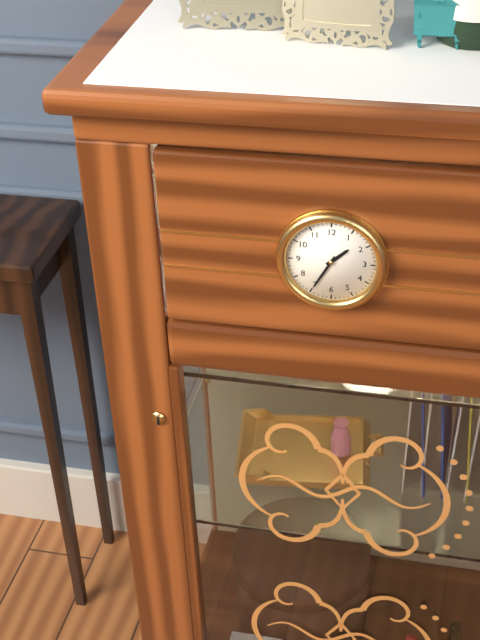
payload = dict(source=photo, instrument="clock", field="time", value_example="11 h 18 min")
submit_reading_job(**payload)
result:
1 h 35 min
